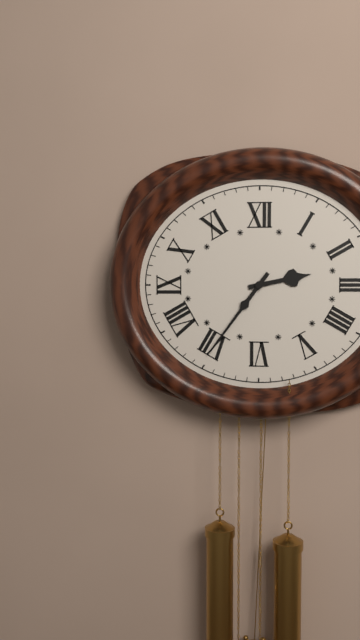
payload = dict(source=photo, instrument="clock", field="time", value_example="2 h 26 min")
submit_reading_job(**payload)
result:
2 h 36 min
